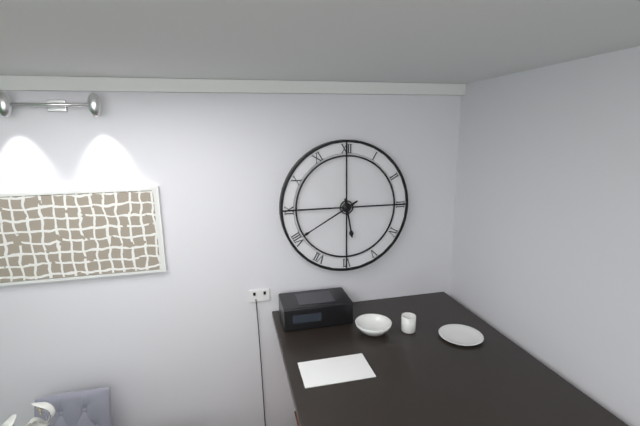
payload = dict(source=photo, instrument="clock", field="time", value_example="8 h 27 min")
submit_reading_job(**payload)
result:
5 h 40 min
